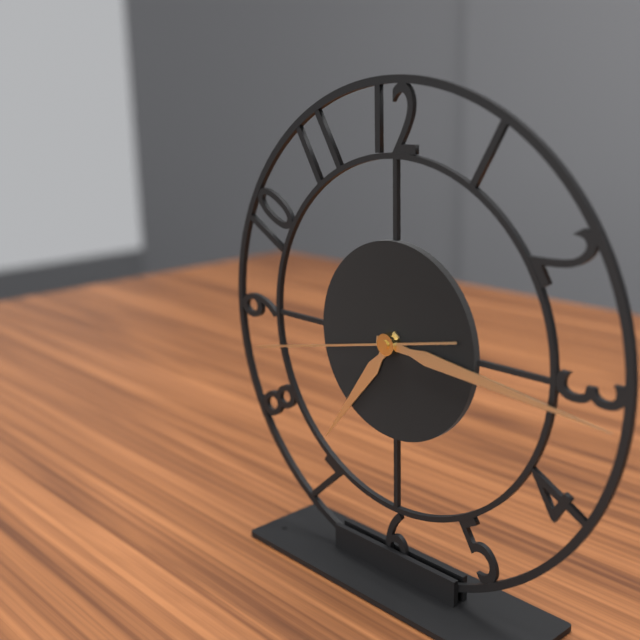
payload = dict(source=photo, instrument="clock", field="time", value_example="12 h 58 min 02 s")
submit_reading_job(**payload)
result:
7 h 16 min 43 s
